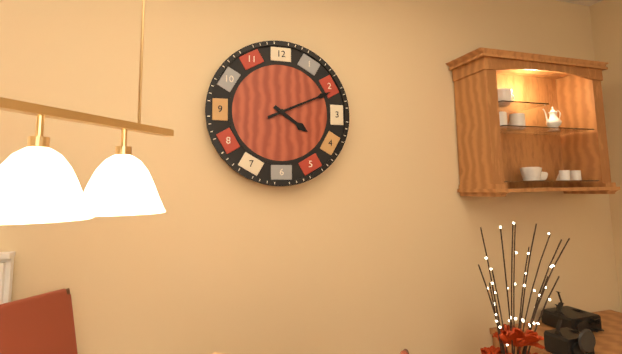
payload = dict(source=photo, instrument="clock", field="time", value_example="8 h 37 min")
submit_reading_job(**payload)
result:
4 h 11 min
